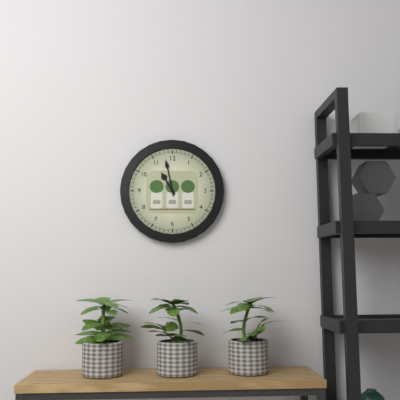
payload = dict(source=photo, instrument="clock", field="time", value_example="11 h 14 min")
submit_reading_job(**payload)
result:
10 h 58 min
